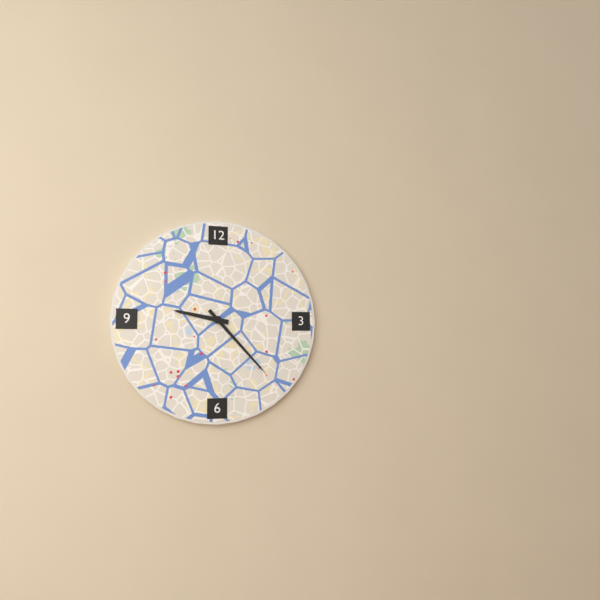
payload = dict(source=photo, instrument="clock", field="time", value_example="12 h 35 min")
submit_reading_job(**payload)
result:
9 h 23 min
